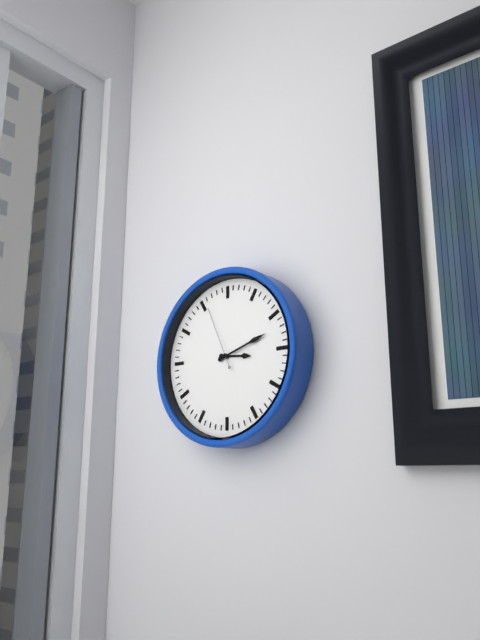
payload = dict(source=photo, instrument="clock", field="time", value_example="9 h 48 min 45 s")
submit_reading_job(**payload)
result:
3 h 12 min 56 s
